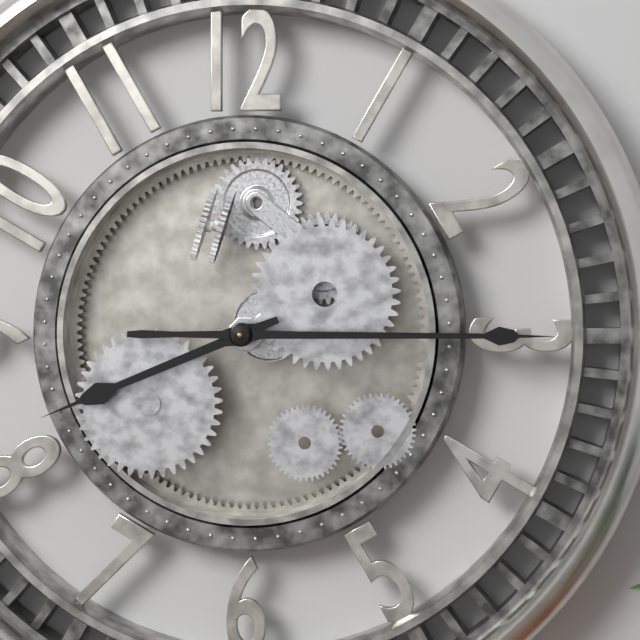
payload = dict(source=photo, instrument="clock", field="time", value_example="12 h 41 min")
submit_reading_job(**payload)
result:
8 h 15 min
